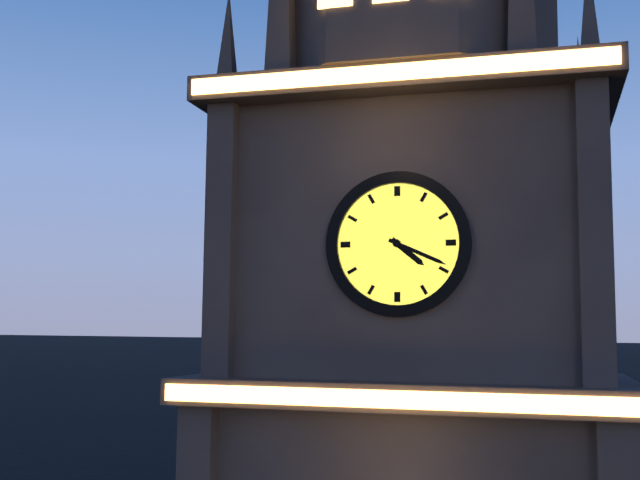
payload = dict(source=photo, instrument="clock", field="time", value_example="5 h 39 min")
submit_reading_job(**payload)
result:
4 h 19 min
